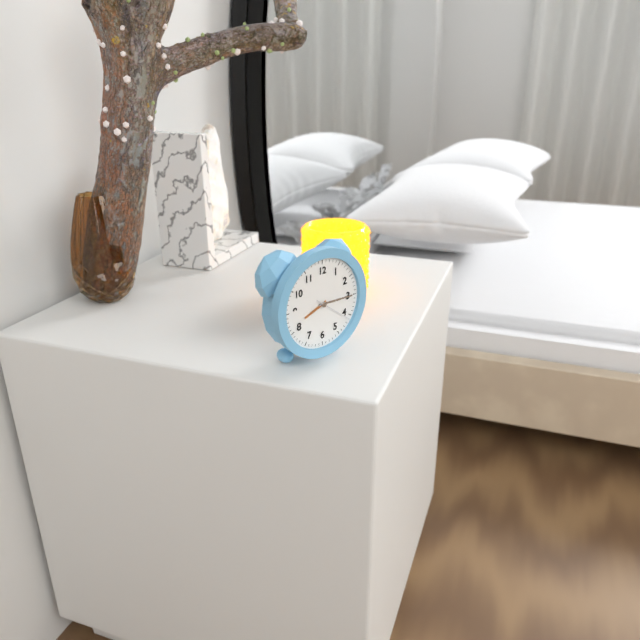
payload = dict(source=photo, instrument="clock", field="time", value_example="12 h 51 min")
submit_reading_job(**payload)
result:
8 h 15 min
